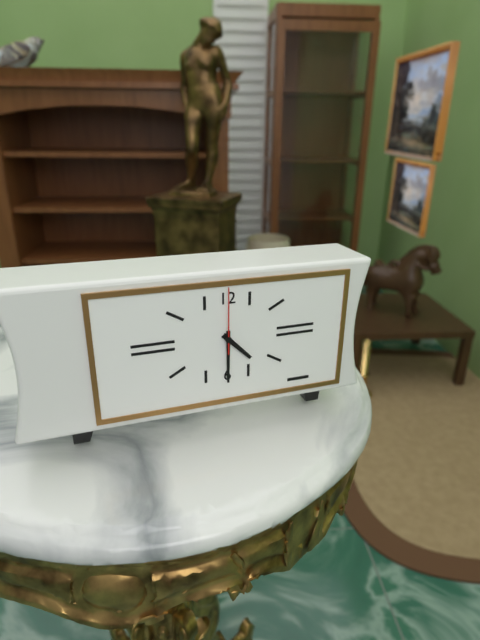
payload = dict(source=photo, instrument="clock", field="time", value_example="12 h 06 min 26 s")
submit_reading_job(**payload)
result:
4 h 30 min 00 s
